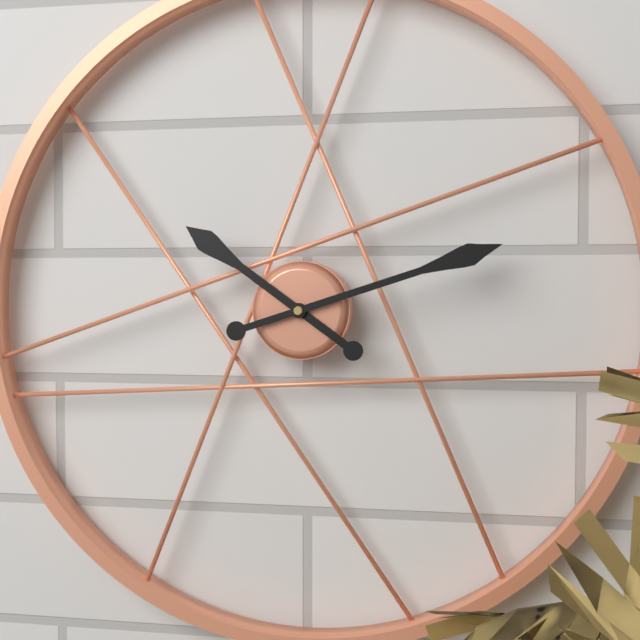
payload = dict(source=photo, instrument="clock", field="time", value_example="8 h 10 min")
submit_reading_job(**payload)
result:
10 h 12 min
